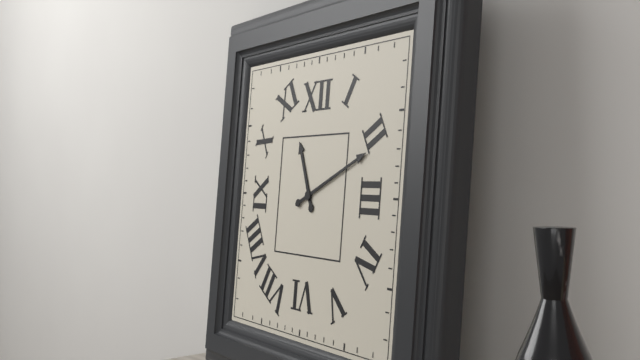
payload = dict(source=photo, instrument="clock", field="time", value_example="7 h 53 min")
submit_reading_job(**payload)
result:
11 h 11 min
